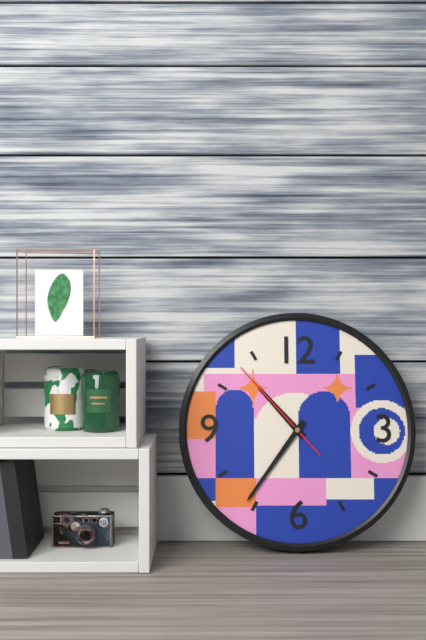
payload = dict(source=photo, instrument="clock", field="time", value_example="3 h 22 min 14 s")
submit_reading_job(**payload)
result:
10 h 36 min 53 s
